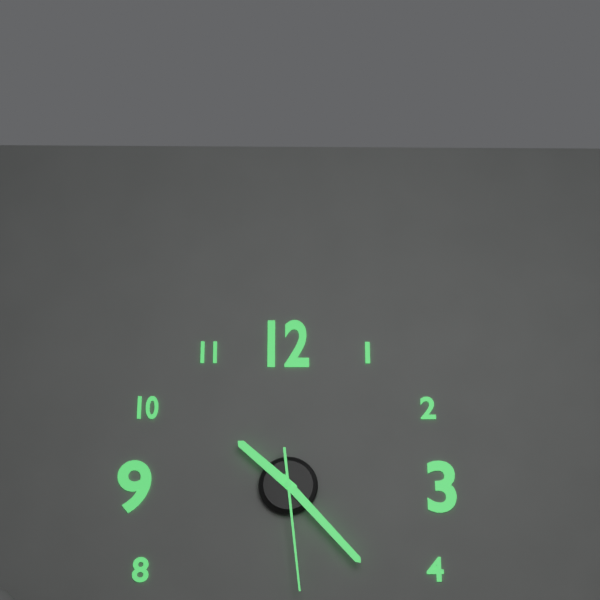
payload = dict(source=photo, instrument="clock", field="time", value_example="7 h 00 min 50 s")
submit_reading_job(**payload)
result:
10 h 23 min 29 s
